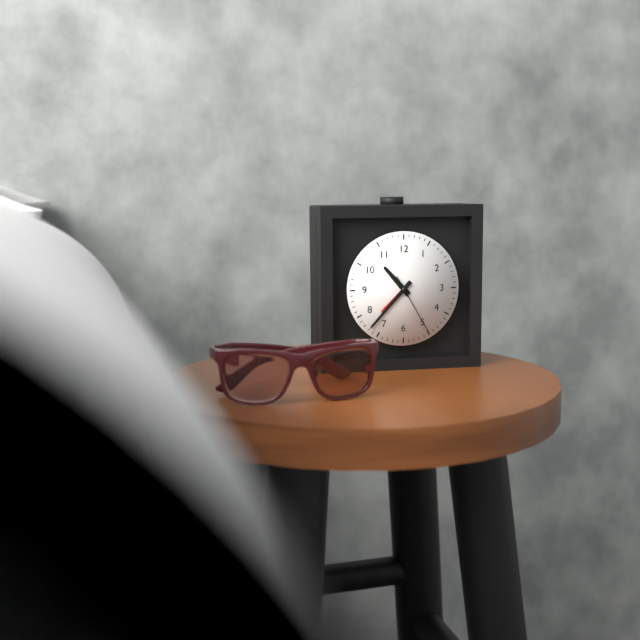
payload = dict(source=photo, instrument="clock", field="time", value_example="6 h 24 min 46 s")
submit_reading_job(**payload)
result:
10 h 37 min 25 s
